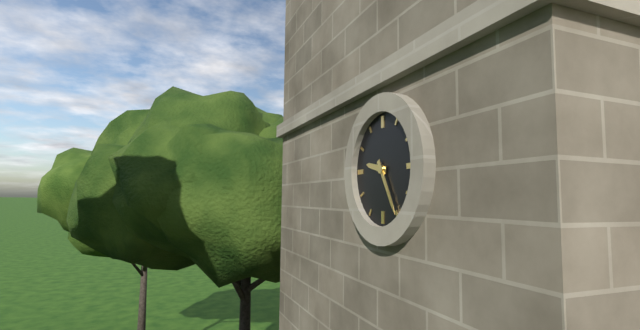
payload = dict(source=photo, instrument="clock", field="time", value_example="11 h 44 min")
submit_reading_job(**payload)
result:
9 h 25 min
